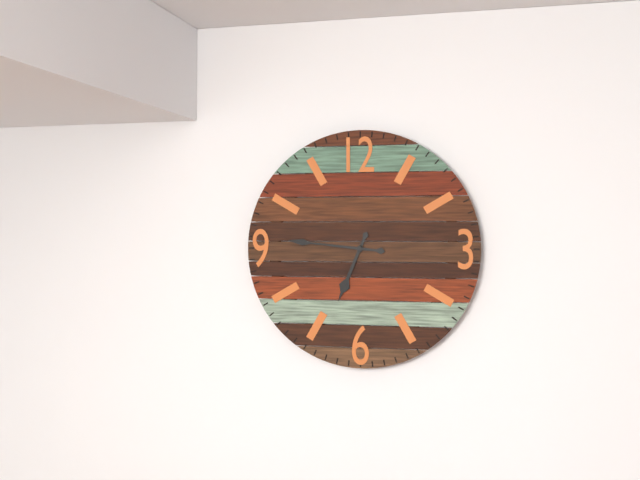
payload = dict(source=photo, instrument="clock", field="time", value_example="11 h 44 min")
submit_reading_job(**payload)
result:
6 h 46 min
